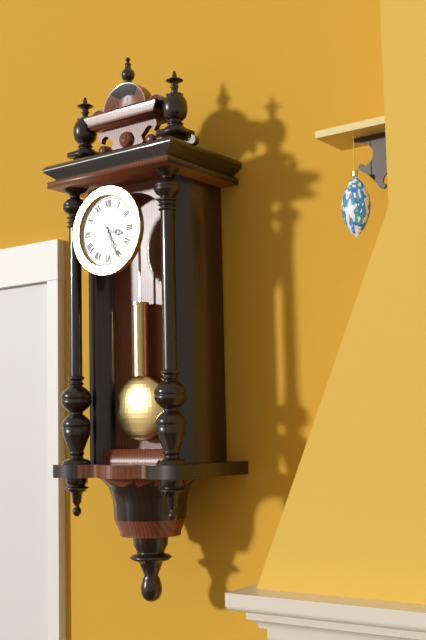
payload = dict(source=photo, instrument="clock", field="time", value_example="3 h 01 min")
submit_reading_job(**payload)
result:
3 h 26 min
